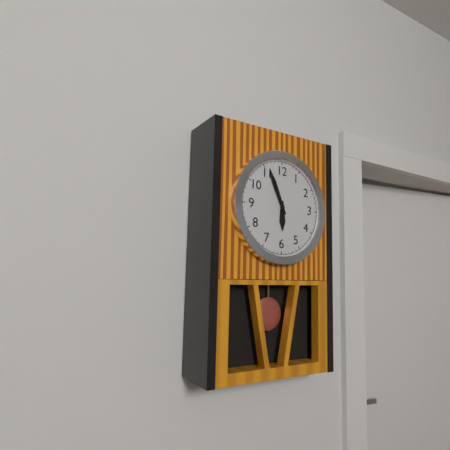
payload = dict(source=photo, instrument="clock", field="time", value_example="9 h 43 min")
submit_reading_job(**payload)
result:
5 h 56 min
